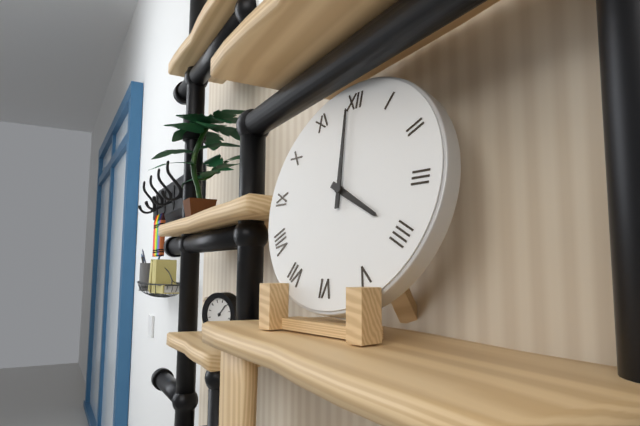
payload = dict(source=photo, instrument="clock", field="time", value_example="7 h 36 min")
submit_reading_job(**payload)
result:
3 h 59 min
